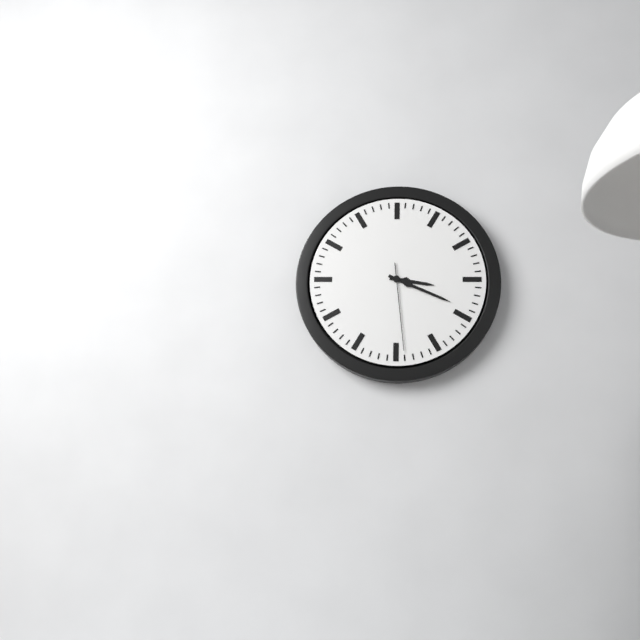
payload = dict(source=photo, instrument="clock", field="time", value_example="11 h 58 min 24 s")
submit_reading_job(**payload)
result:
3 h 19 min 29 s
